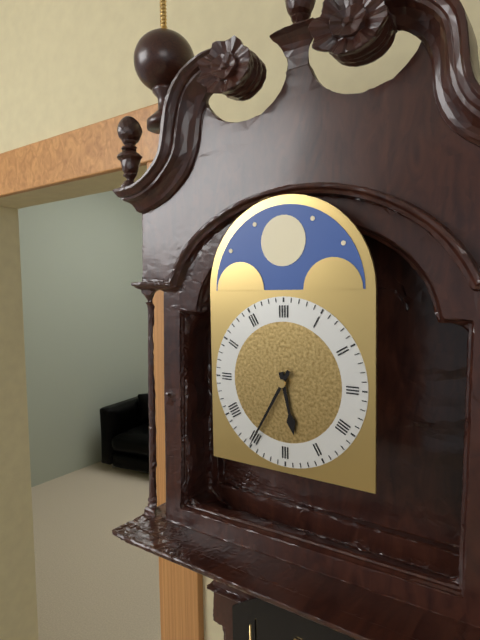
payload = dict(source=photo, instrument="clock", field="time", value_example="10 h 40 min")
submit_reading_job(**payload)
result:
5 h 35 min
